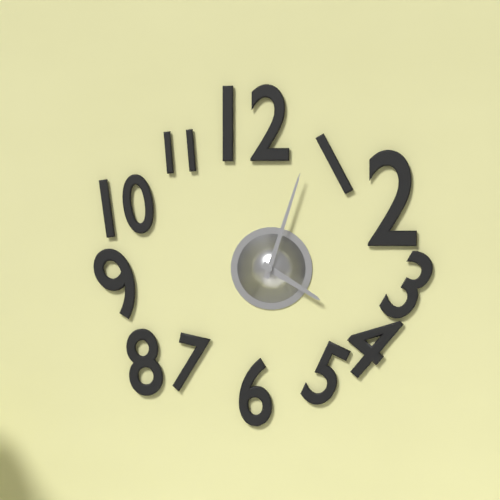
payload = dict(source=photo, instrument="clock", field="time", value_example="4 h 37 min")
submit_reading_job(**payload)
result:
4 h 03 min
